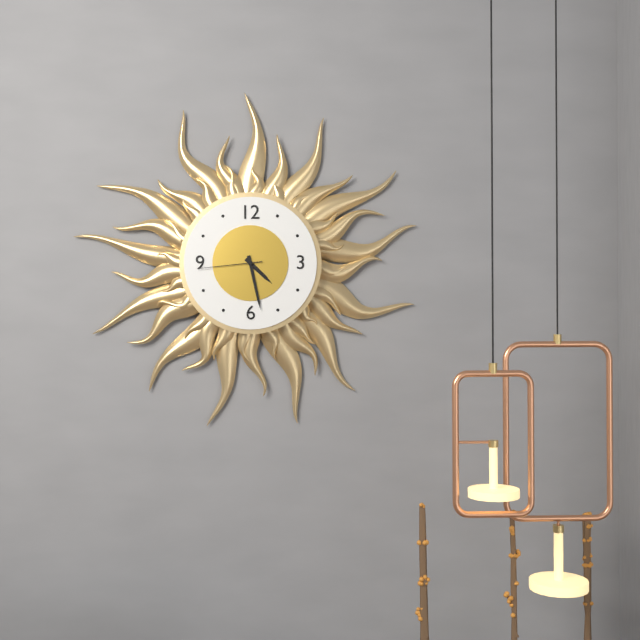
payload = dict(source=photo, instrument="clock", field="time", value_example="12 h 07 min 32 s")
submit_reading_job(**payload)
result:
4 h 28 min 44 s
